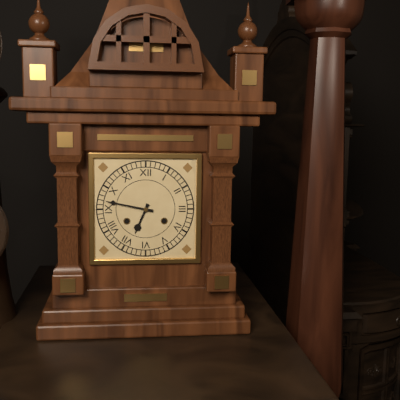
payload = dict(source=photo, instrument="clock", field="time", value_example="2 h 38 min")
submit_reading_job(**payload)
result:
6 h 47 min
